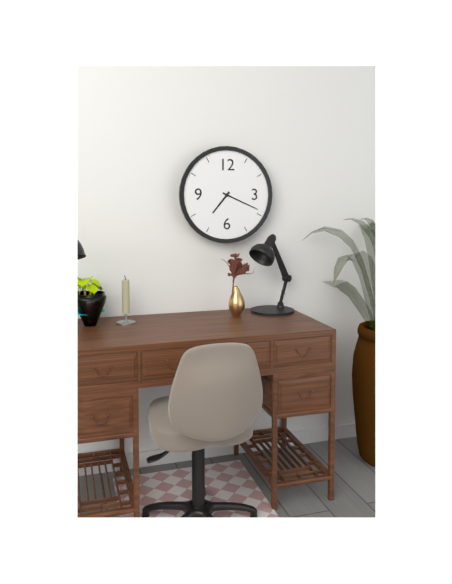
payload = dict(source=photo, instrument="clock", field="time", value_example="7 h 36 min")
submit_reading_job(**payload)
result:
7 h 19 min
